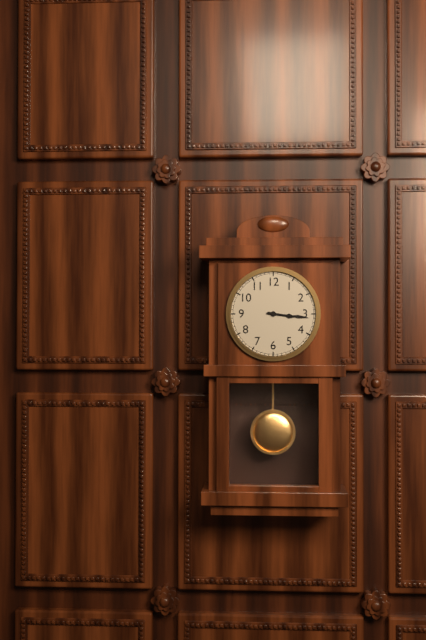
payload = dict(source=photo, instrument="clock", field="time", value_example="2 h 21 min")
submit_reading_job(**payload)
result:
3 h 16 min
